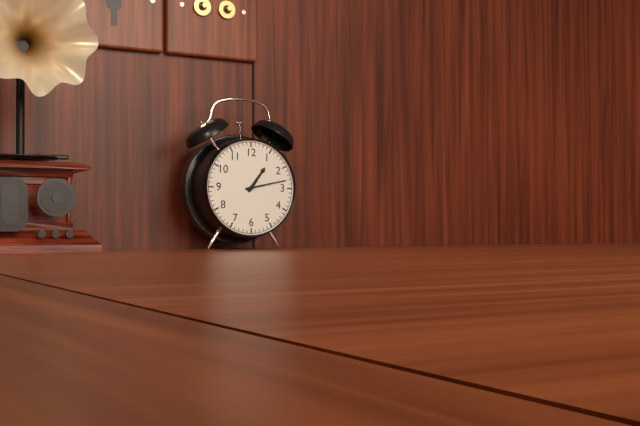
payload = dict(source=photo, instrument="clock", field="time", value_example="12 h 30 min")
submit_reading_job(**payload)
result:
1 h 13 min
